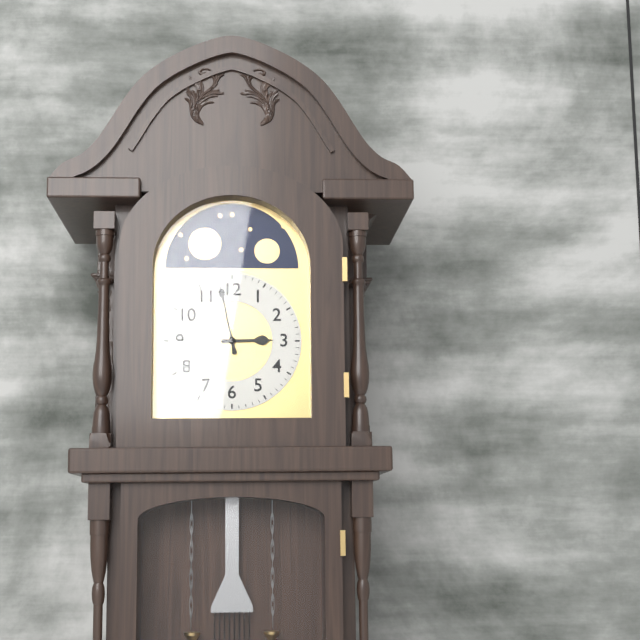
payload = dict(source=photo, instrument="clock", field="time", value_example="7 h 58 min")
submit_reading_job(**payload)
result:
2 h 58 min
